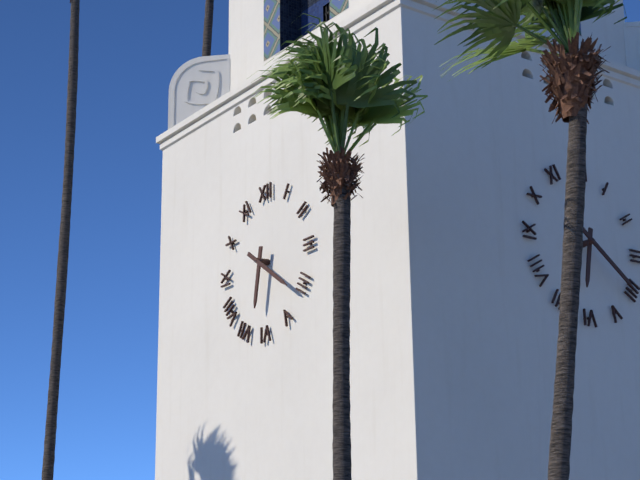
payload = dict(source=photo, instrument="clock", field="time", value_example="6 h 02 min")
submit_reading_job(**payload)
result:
6 h 21 min
